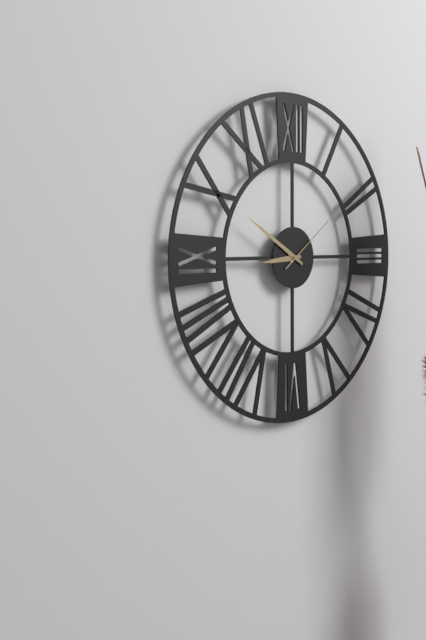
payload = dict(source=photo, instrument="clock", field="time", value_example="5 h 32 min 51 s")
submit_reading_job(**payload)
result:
8 h 50 min 09 s
